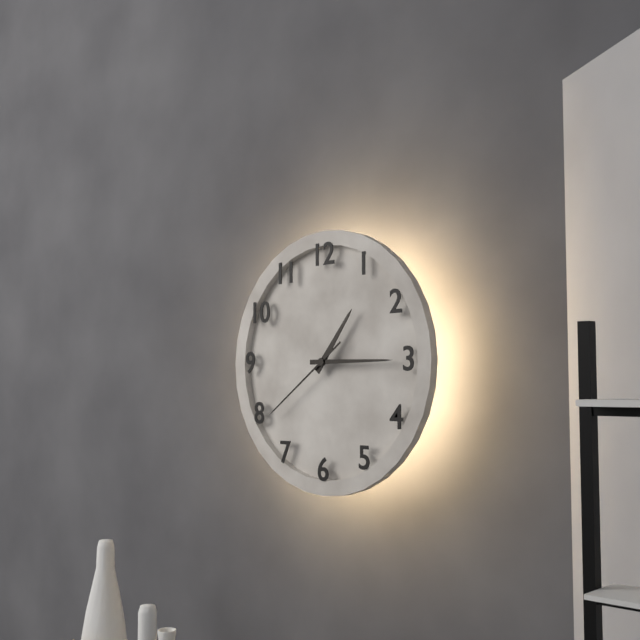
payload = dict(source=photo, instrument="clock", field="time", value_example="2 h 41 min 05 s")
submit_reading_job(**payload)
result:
1 h 15 min 39 s
